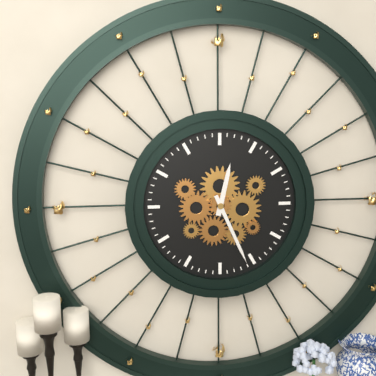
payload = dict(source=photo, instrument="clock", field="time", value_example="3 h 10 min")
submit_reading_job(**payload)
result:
12 h 26 min
